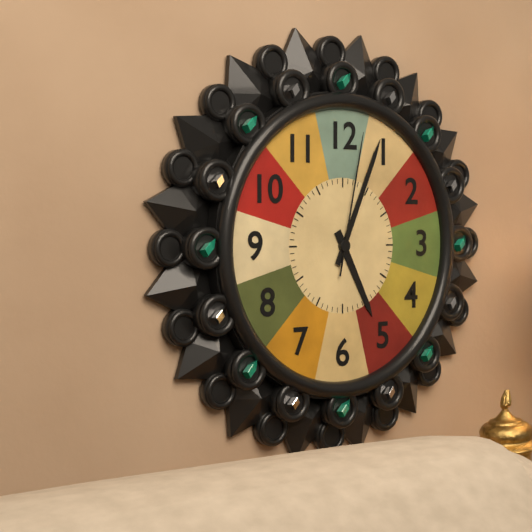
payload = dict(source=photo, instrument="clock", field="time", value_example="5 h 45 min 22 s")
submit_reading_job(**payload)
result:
5 h 04 min 02 s
